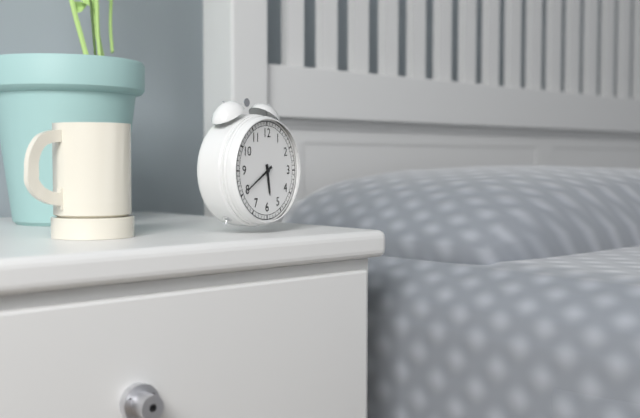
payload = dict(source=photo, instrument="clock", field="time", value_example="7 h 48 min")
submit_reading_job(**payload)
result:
5 h 40 min
